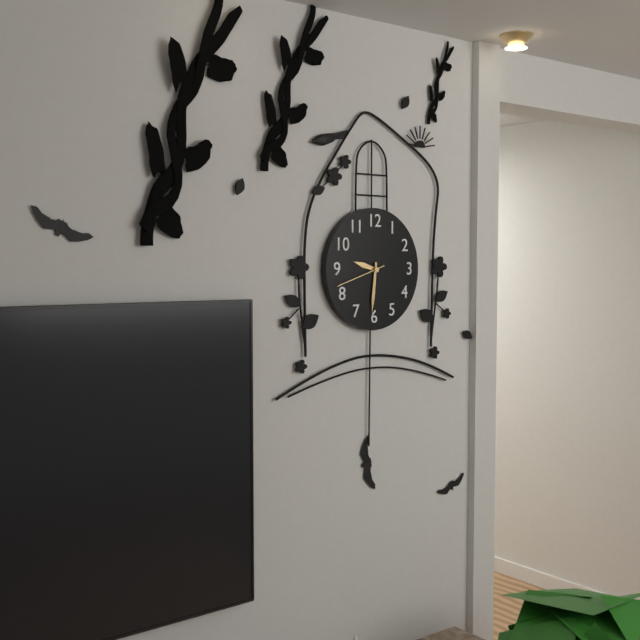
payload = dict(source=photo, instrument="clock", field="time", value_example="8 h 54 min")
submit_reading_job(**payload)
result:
9 h 31 min
